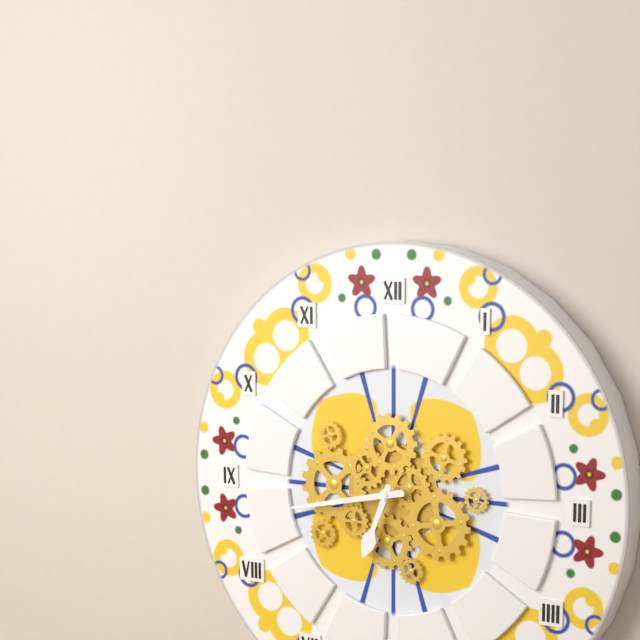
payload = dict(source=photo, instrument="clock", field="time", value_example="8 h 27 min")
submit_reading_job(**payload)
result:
6 h 43 min
